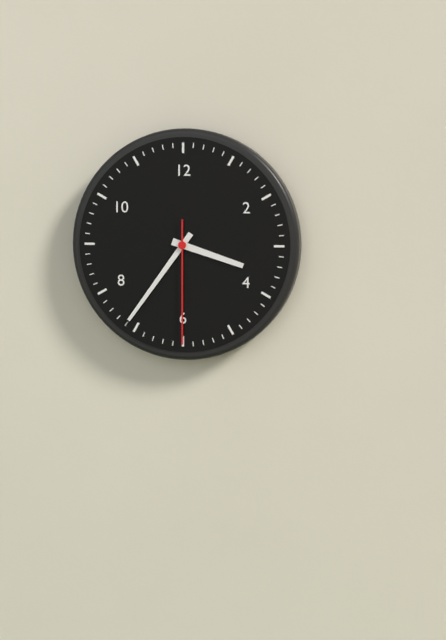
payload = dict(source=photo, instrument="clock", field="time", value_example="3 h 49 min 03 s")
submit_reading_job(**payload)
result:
3 h 36 min 30 s
